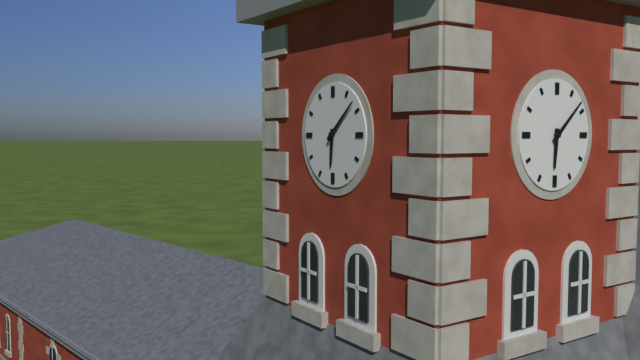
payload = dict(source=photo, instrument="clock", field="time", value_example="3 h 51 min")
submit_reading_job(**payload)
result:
6 h 08 min
